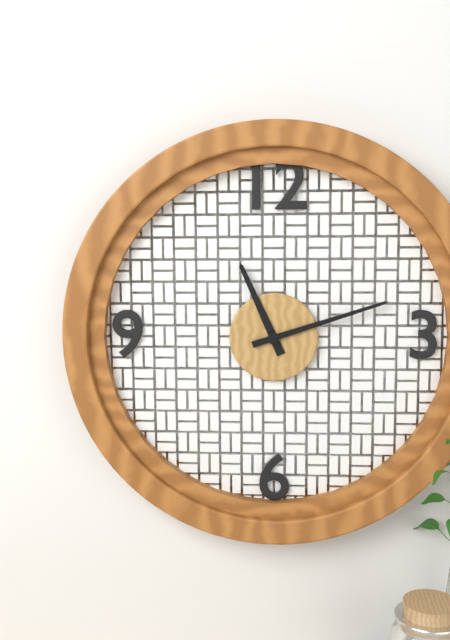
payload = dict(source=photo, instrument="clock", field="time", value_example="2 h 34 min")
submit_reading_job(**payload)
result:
11 h 12 min
